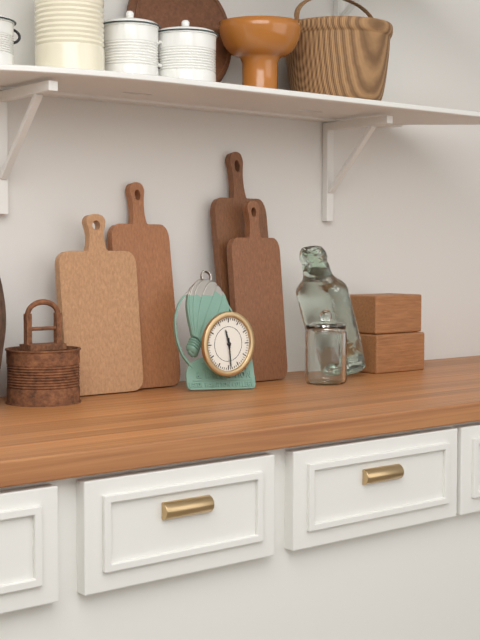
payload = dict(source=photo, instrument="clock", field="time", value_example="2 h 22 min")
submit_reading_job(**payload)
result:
11 h 29 min
